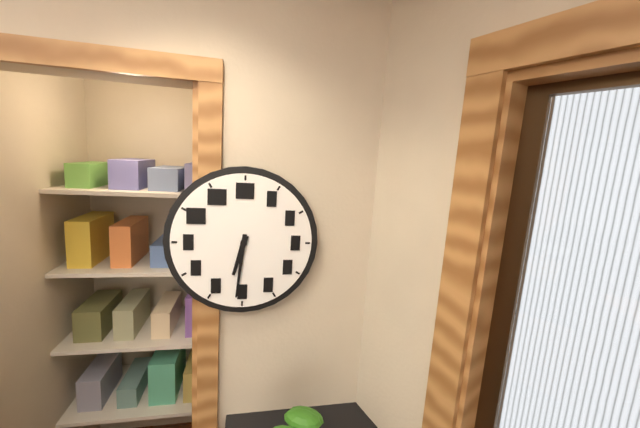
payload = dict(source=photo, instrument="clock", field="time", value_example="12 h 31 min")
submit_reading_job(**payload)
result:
6 h 31 min
